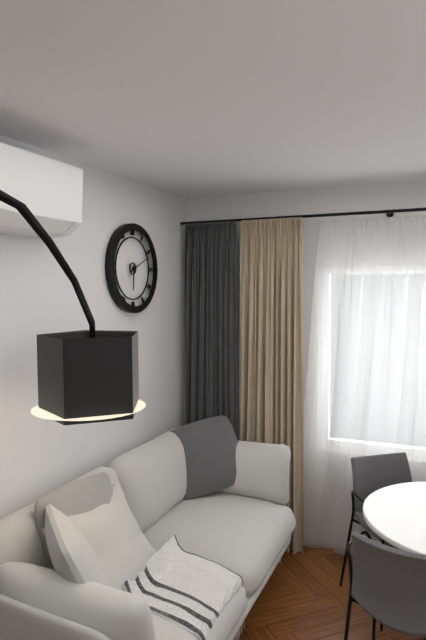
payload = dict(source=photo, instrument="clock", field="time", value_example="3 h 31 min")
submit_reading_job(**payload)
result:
6 h 11 min
